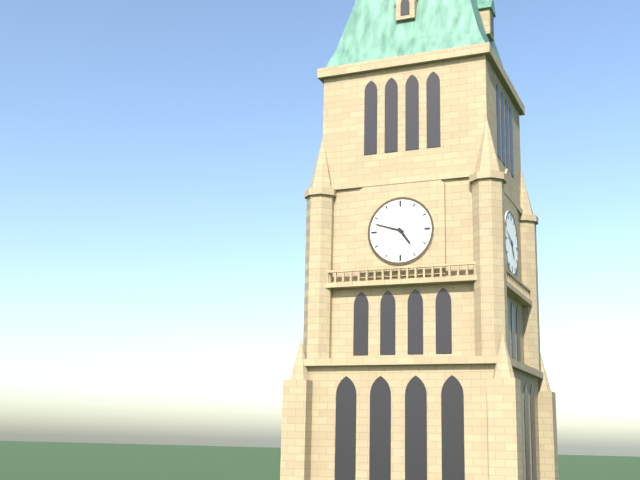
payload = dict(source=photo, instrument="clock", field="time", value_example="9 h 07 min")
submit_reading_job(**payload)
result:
4 h 48 min
